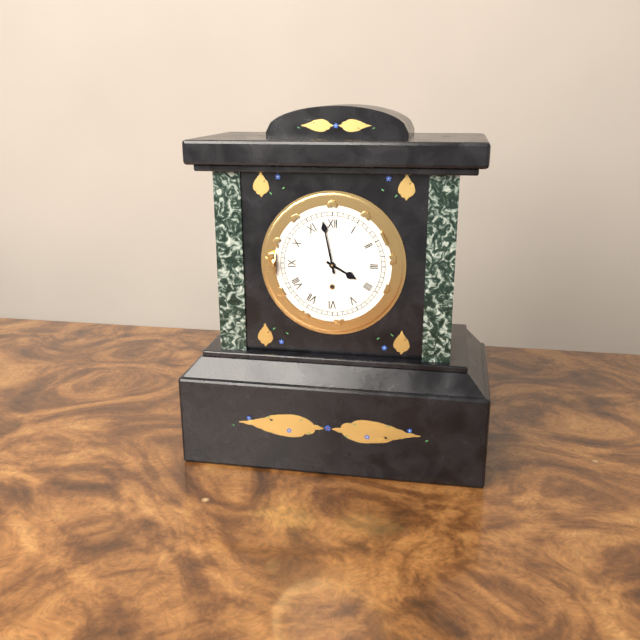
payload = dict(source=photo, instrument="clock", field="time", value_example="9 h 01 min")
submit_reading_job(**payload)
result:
3 h 58 min
